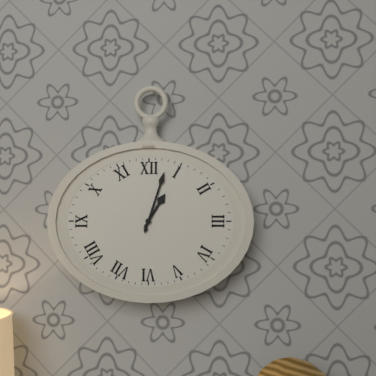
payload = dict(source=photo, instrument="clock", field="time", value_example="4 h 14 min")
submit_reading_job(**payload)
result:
1 h 03 min
